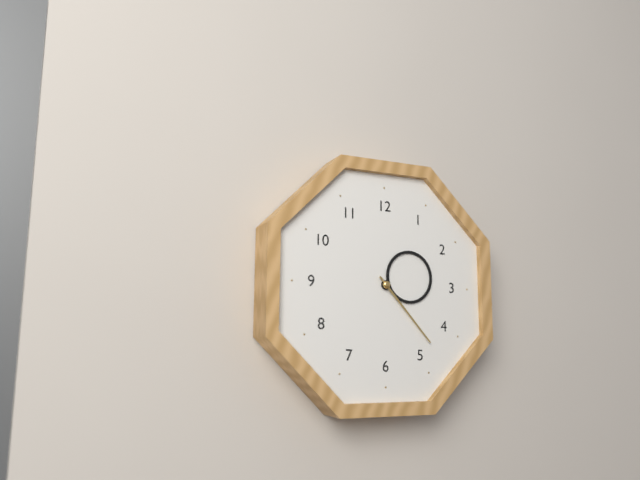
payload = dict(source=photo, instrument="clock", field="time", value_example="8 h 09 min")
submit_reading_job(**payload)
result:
2 h 23 min
